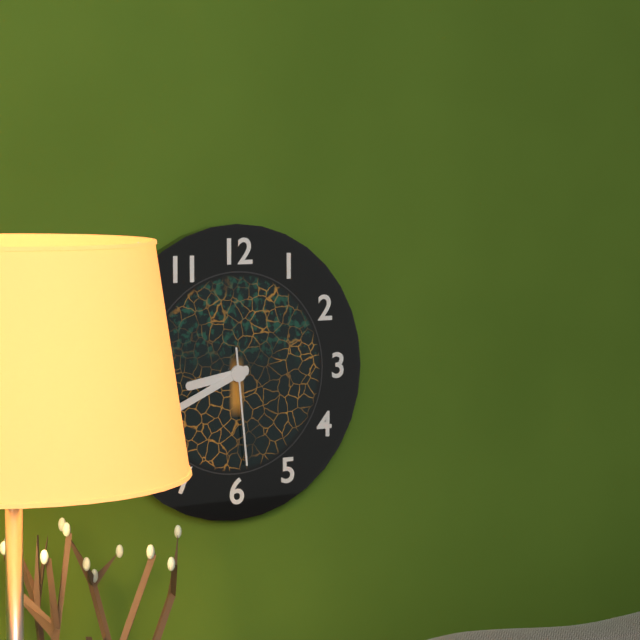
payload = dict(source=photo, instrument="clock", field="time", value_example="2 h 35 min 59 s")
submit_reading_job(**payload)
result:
8 h 41 min 29 s
